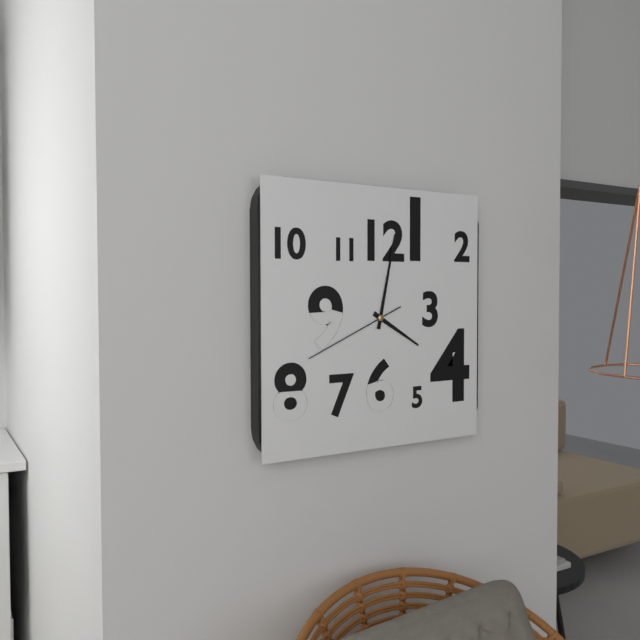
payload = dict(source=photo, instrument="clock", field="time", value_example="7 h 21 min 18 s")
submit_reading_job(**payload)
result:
4 h 02 min 41 s
